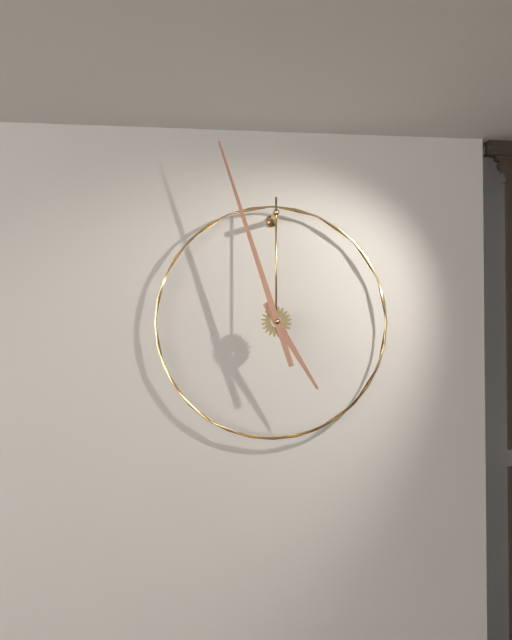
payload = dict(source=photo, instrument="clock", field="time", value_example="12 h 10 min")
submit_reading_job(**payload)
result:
4 h 57 min
